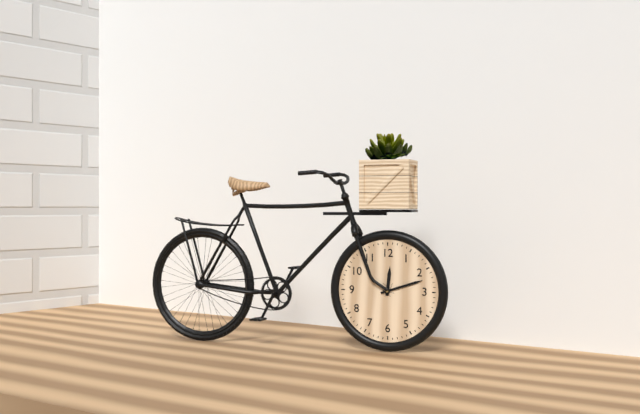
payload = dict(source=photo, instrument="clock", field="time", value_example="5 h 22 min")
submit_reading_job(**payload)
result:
12 h 12 min
